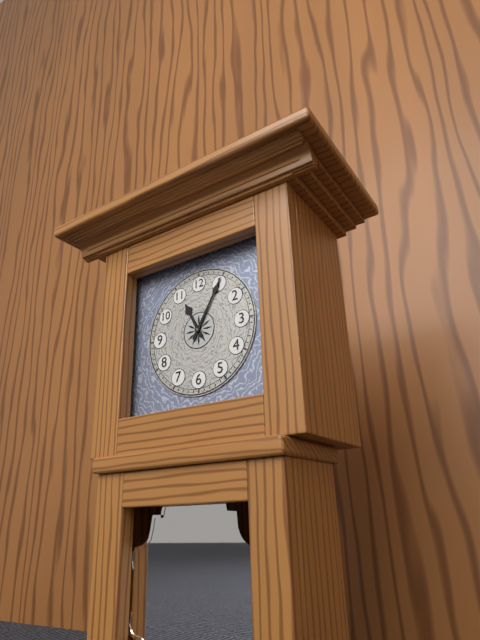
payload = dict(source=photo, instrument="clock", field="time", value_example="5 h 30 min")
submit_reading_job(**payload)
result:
11 h 05 min
